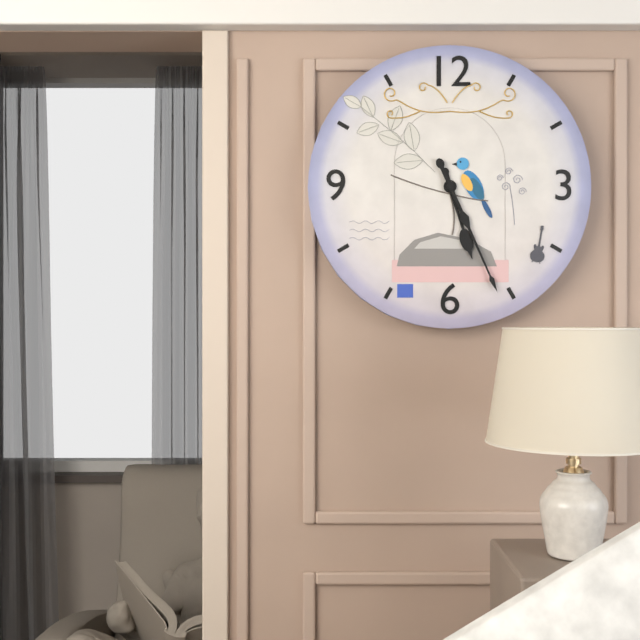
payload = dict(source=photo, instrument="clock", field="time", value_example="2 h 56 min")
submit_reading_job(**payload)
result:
5 h 26 min
